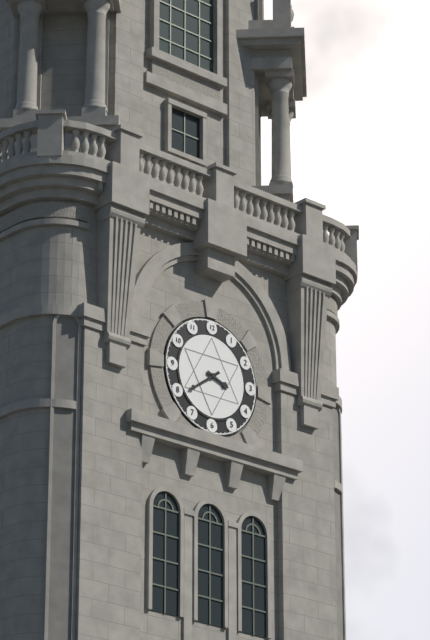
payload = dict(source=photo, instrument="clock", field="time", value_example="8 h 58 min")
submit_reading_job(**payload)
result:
3 h 39 min
